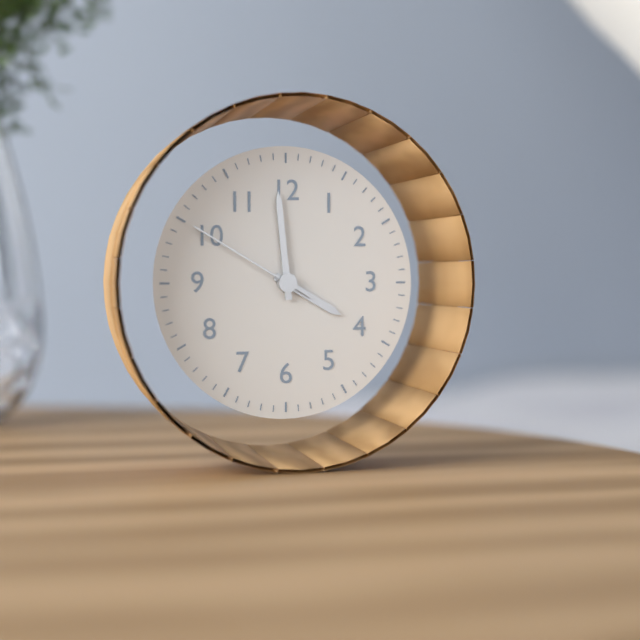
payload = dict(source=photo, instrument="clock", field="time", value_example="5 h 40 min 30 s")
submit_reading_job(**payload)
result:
3 h 59 min 50 s
